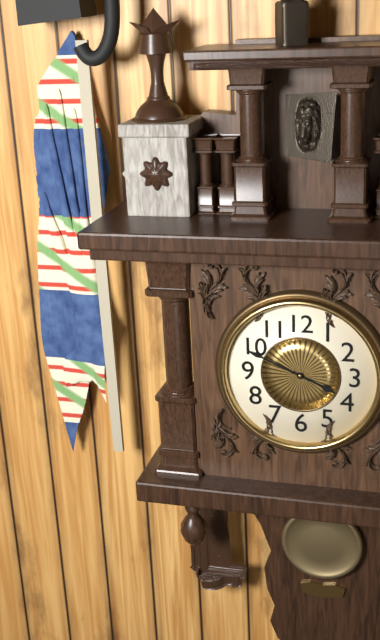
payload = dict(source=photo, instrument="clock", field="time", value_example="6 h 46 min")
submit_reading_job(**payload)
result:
3 h 49 min
